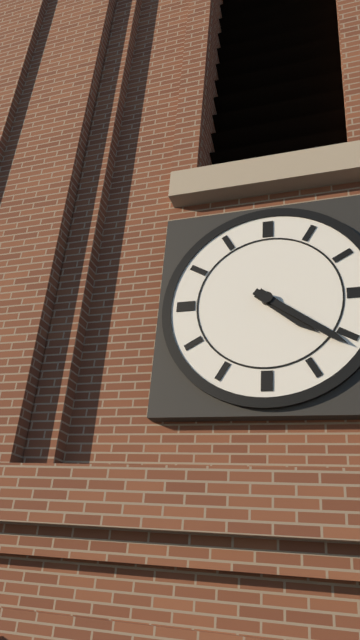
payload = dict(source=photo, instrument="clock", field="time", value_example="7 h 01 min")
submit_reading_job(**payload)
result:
4 h 21 min
